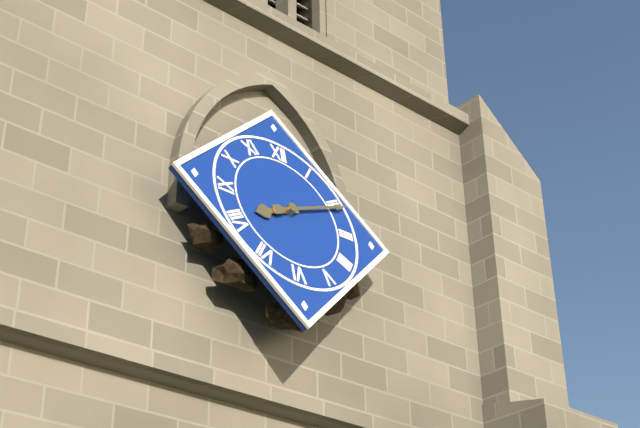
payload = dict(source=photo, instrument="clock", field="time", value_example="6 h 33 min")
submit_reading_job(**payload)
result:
8 h 11 min
